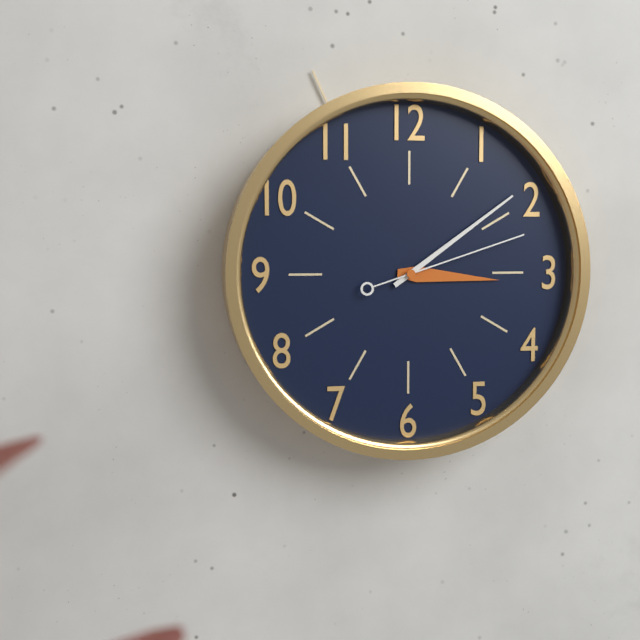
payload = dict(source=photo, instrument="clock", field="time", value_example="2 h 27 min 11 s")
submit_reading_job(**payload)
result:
3 h 09 min 12 s
